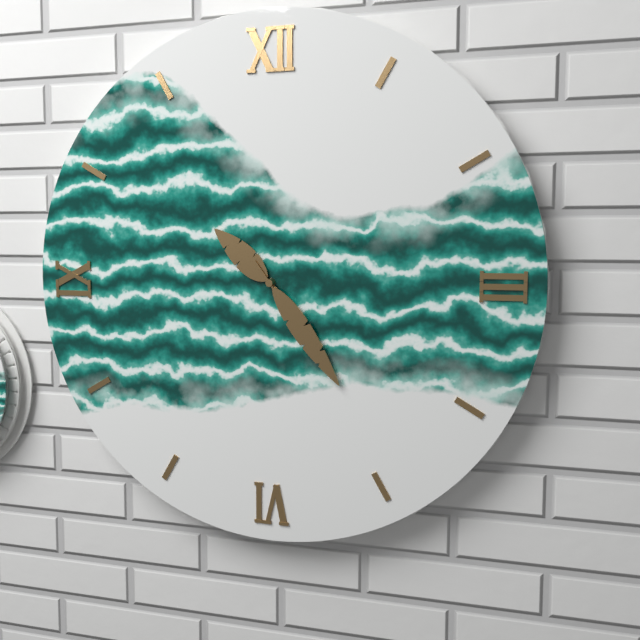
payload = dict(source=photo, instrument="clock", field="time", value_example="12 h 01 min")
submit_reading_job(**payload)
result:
10 h 24 min
